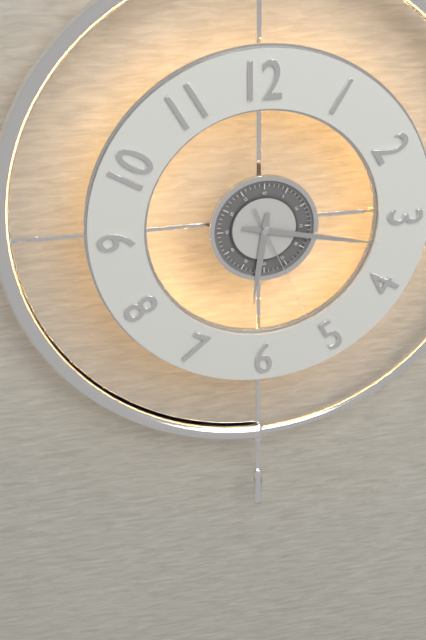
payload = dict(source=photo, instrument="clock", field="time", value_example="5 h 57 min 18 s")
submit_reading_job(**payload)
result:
6 h 17 min 26 s
